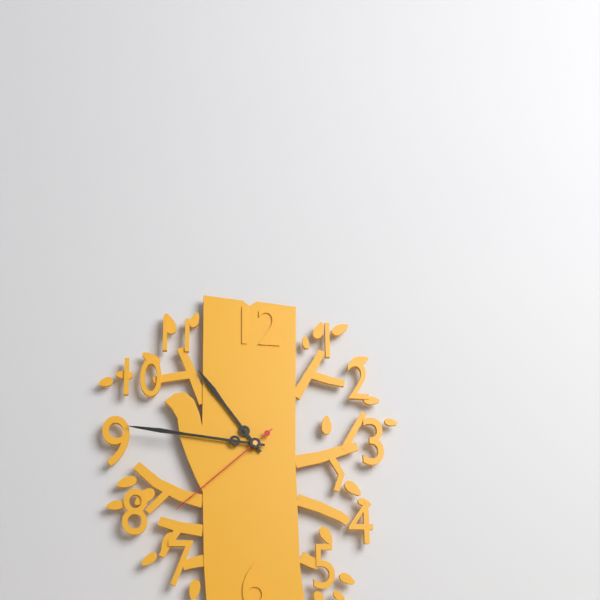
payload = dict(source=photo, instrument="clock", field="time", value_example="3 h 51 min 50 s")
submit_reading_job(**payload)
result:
10 h 46 min 38 s
